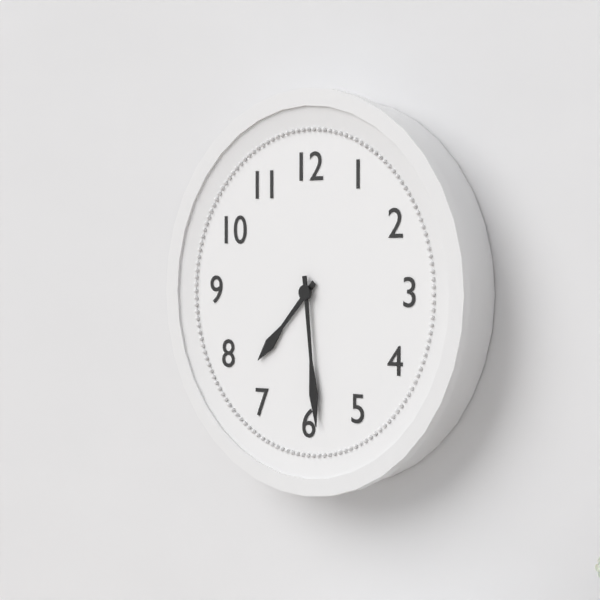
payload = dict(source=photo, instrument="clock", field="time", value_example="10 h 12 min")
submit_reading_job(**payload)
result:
7 h 29 min
